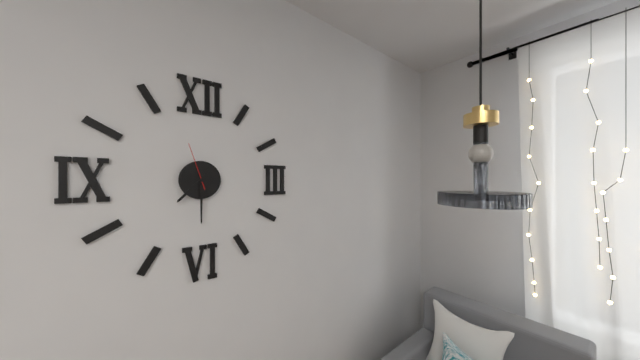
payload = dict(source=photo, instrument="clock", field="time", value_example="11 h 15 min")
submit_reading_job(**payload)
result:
7 h 30 min
